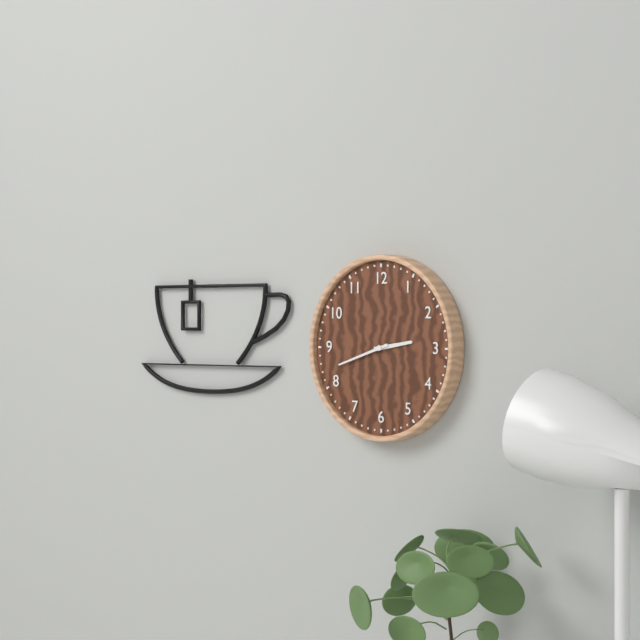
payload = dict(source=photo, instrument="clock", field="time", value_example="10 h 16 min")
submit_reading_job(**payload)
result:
2 h 42 min
